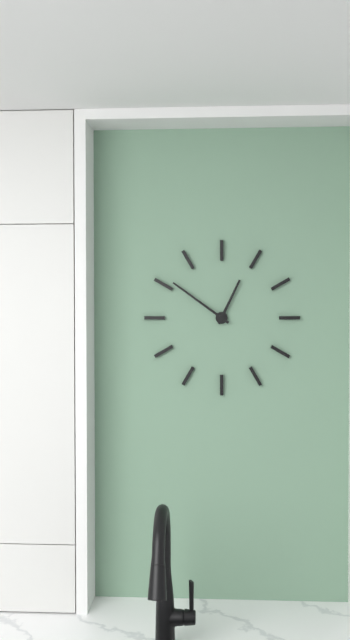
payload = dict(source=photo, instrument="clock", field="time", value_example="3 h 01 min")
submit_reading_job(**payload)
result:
12 h 51 min
